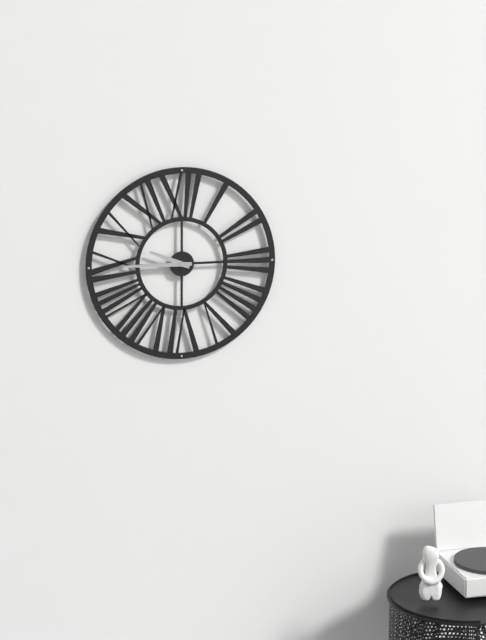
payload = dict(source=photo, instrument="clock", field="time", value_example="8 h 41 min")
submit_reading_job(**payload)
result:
9 h 45 min
